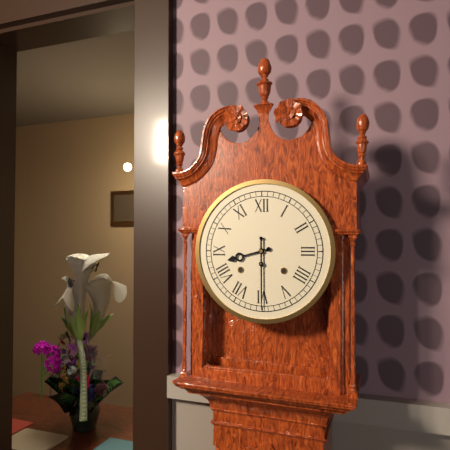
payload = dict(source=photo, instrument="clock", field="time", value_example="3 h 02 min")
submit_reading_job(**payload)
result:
8 h 30 min
